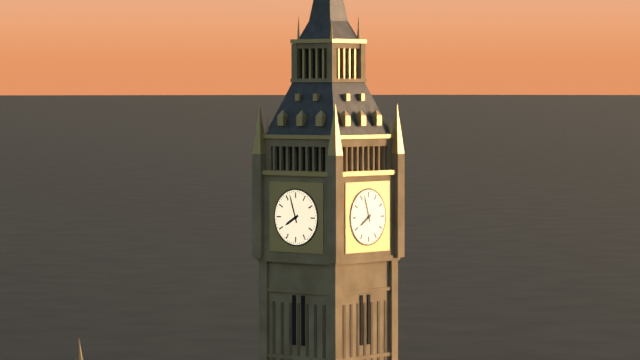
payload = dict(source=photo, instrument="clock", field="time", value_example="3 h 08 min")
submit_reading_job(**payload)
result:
7 h 57 min
